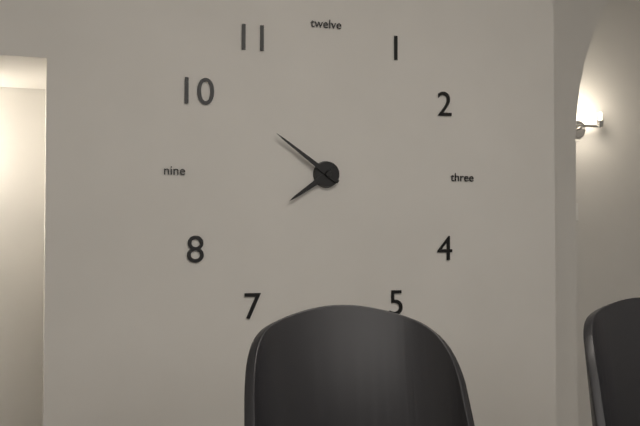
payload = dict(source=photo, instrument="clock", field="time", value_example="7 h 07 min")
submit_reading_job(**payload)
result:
7 h 51 min
